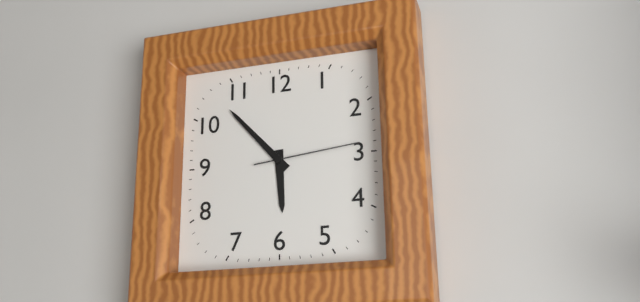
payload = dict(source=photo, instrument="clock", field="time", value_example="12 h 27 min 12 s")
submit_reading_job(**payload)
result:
5 h 53 min 14 s
